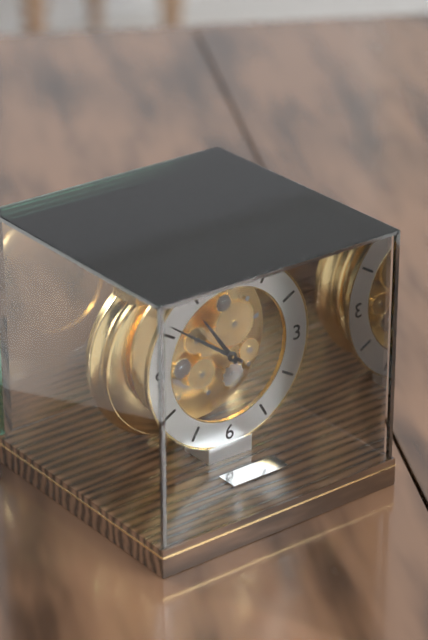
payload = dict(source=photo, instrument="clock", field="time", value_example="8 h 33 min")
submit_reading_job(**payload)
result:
10 h 51 min
